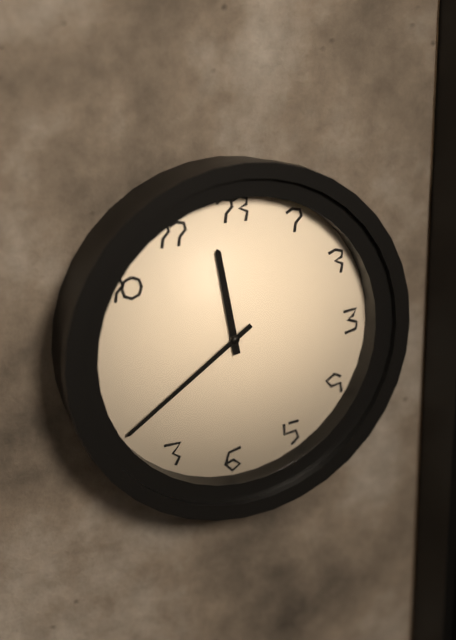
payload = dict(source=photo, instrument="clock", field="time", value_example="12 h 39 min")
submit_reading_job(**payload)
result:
11 h 39 min
